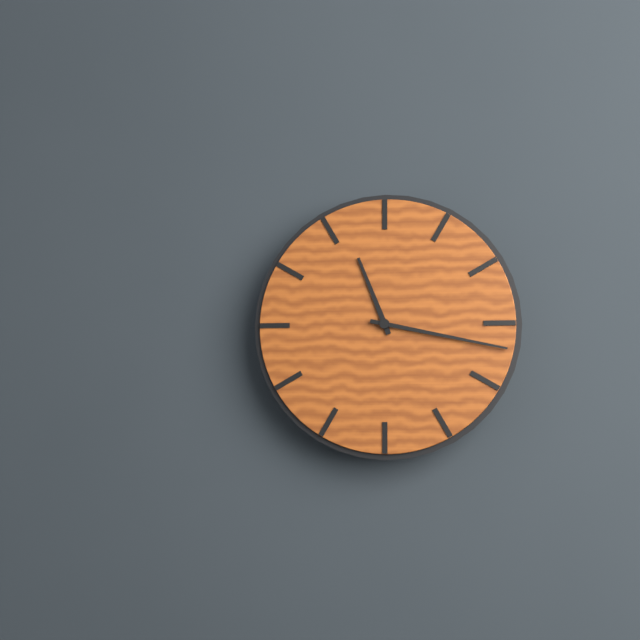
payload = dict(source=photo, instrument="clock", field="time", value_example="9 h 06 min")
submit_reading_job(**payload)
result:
11 h 17 min
